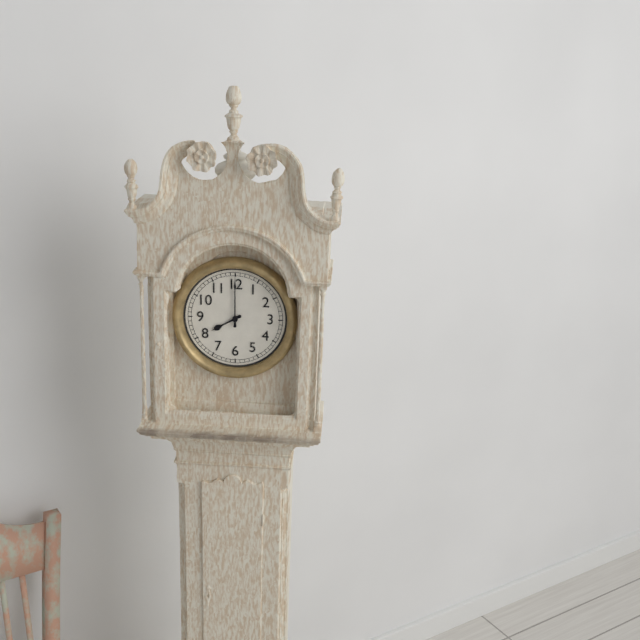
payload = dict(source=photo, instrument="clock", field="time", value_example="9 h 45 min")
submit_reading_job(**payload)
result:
8 h 00 min
